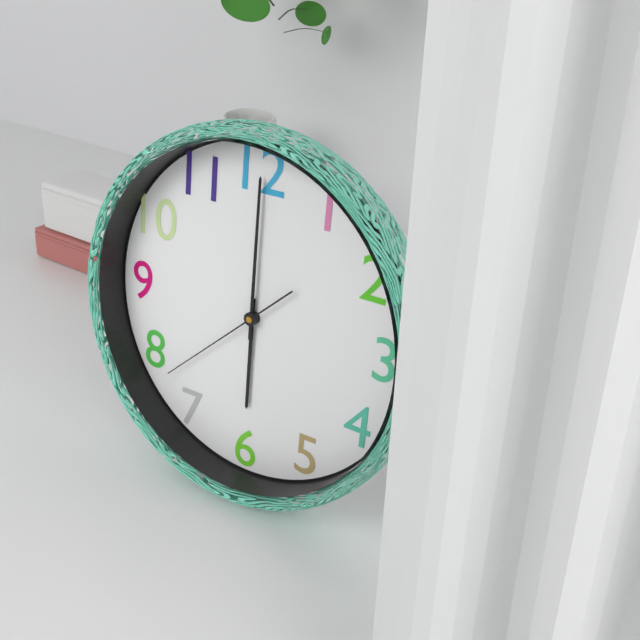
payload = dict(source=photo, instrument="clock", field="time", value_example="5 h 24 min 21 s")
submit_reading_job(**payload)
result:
6 h 00 min 38 s
